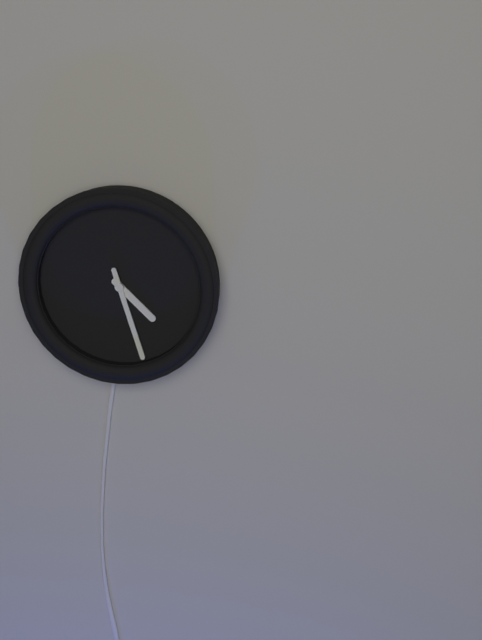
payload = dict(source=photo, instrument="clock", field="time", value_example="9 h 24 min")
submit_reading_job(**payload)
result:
4 h 27 min
